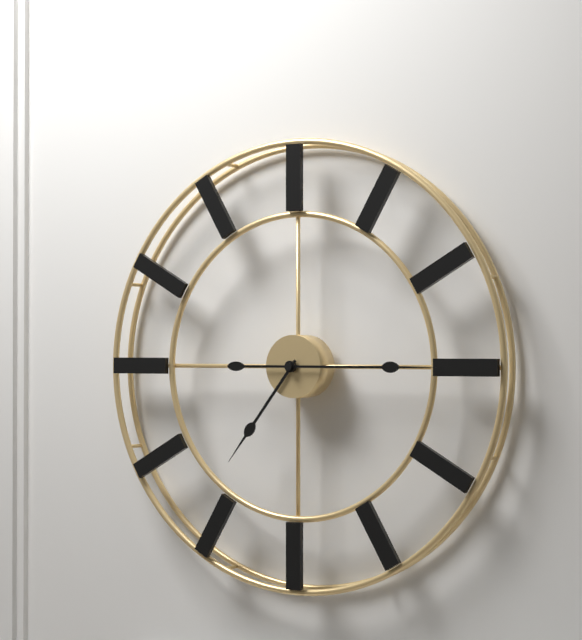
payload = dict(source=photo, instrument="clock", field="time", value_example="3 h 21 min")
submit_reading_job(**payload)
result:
7 h 15 min
